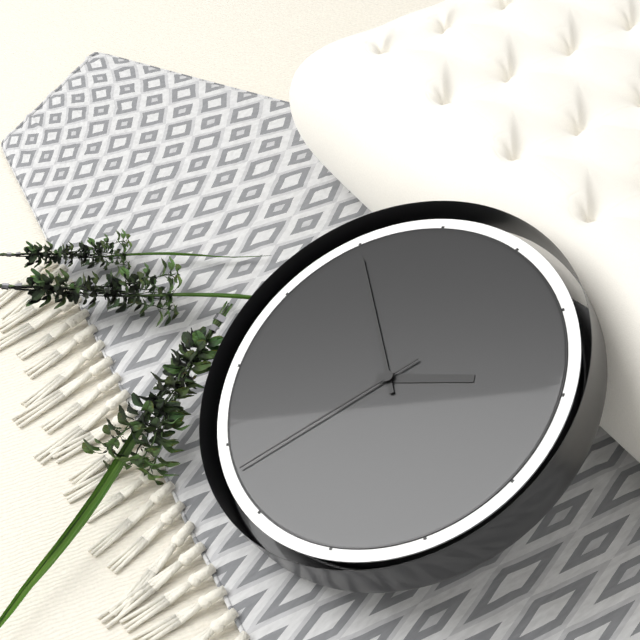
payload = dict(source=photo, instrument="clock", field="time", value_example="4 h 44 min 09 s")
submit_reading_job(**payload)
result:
1 h 50 min 33 s
